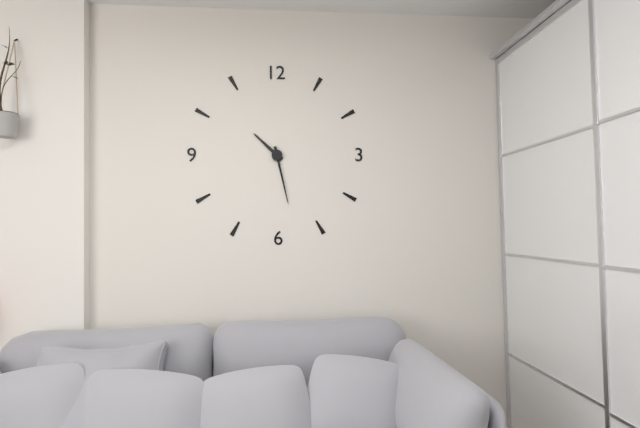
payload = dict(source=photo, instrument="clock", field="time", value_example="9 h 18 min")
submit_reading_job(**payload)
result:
10 h 28 min
